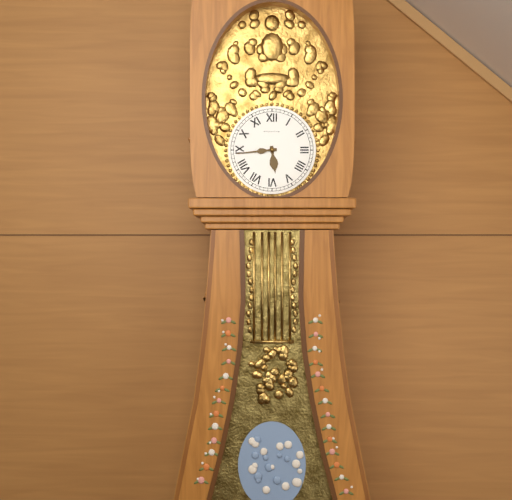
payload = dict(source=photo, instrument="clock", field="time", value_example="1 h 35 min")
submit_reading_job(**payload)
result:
5 h 44 min
